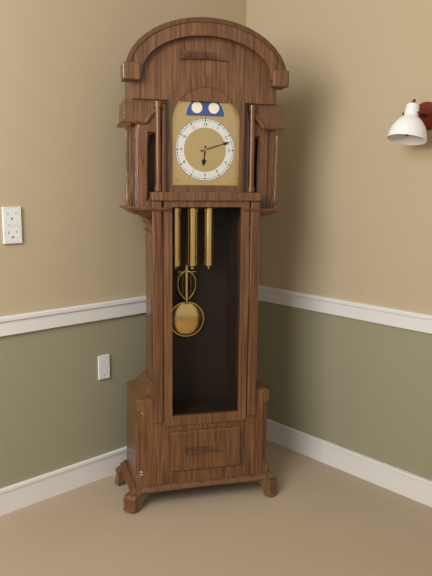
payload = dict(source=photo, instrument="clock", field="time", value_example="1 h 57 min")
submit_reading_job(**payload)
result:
6 h 12 min
